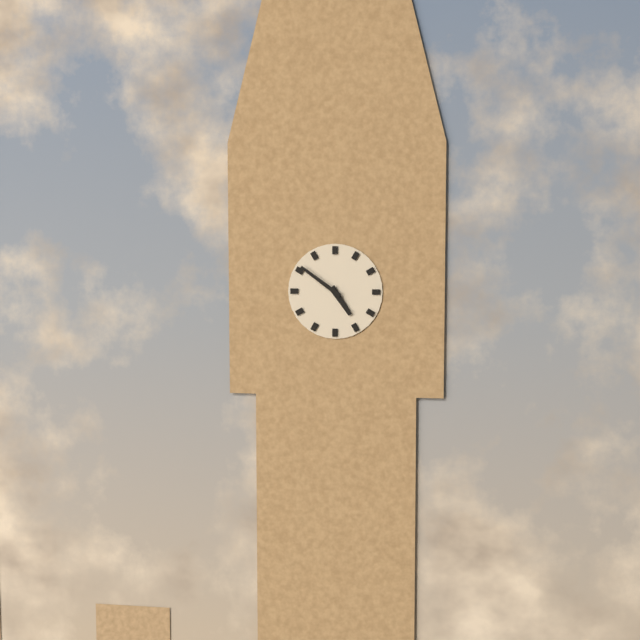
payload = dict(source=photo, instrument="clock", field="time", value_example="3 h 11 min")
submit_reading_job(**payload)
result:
4 h 51 min
